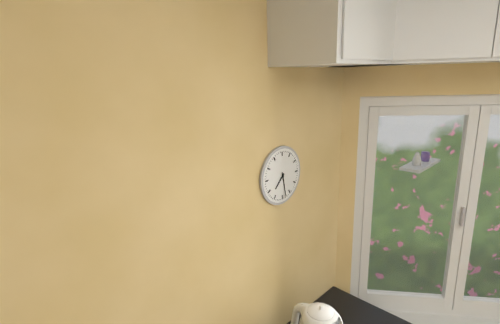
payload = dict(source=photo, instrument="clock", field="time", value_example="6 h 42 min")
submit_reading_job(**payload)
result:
7 h 28 min
